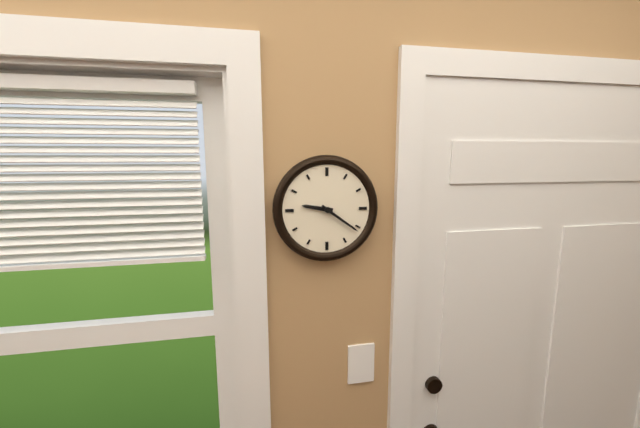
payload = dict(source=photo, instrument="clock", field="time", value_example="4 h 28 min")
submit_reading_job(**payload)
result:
9 h 21 min
